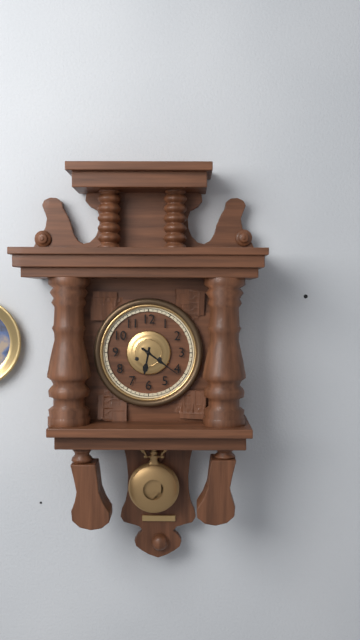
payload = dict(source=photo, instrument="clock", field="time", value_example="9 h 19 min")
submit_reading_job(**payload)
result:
6 h 21 min
